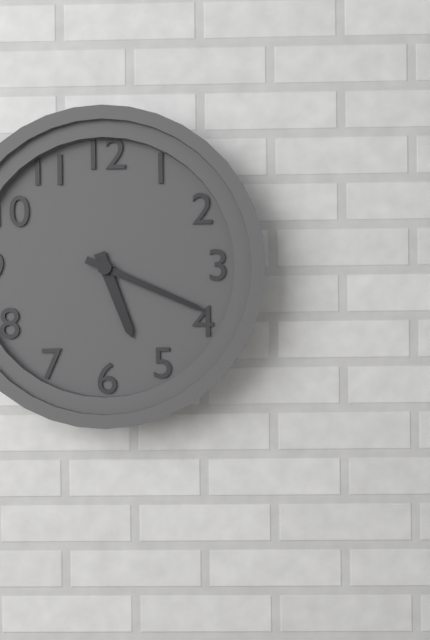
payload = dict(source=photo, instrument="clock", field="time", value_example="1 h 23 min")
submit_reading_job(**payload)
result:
5 h 19 min
